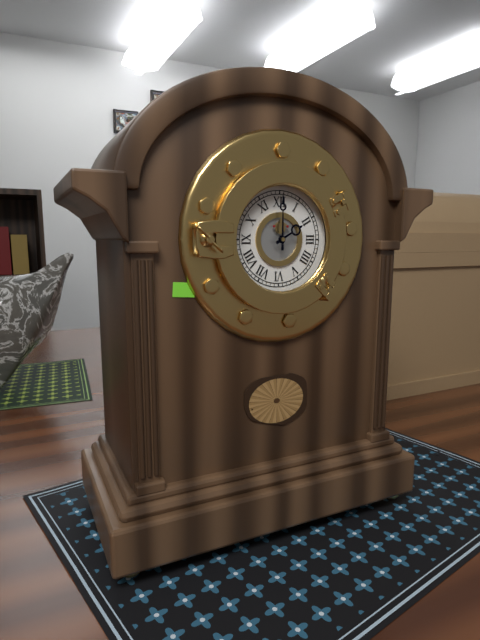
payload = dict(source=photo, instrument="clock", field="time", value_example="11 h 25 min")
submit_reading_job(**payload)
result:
2 h 00 min
